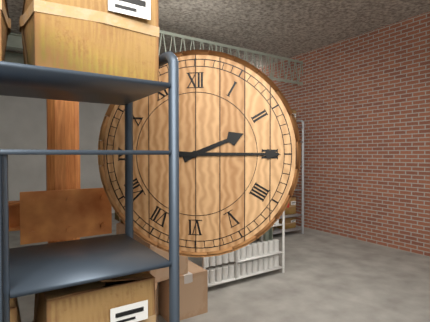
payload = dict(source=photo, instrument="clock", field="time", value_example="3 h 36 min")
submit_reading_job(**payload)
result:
2 h 15 min
